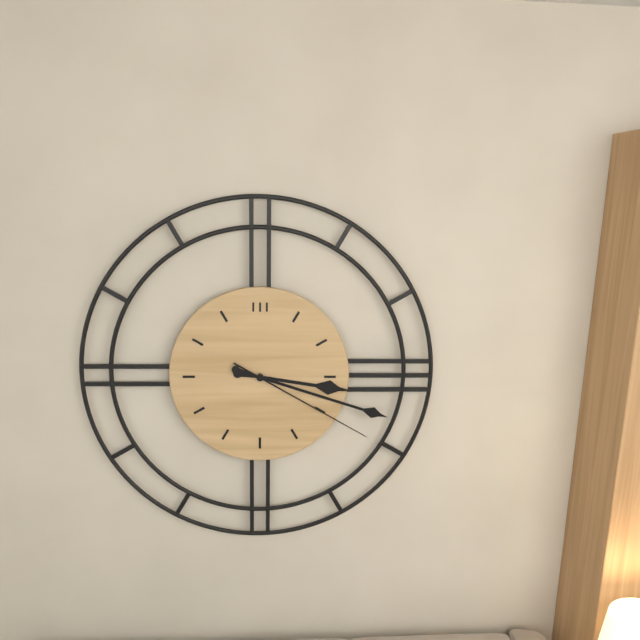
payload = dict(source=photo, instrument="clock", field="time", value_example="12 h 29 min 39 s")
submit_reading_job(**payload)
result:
3 h 18 min 20 s
